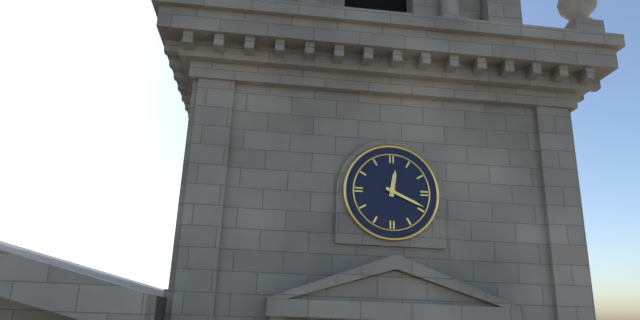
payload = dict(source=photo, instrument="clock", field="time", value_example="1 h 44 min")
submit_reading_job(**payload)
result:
12 h 19 min
